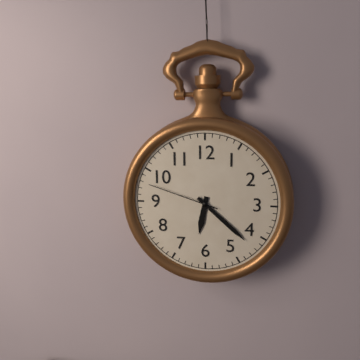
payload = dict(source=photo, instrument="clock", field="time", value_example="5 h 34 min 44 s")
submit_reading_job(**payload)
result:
6 h 22 min 48 s
